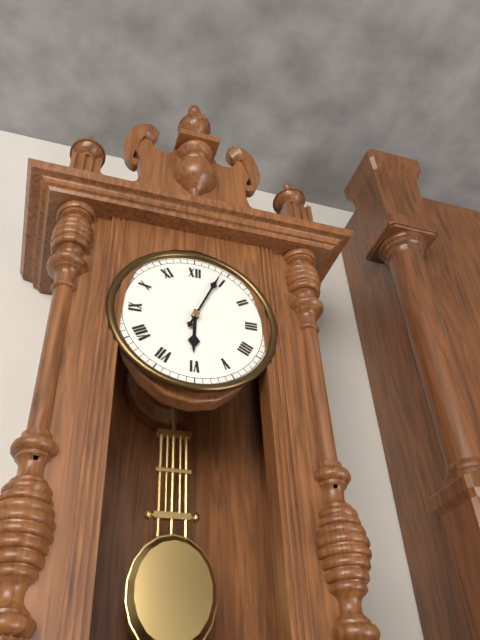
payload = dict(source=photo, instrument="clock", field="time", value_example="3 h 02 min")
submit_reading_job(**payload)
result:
6 h 04 min
